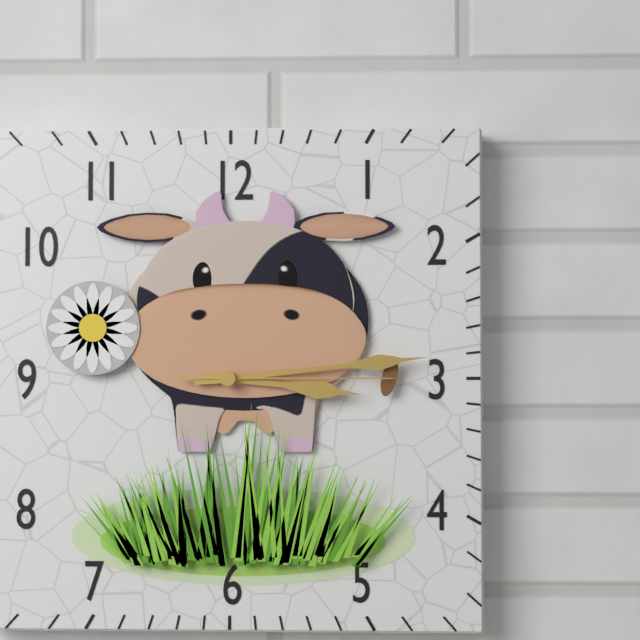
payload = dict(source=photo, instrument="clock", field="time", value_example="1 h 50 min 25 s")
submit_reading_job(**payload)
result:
3 h 14 min 15 s
